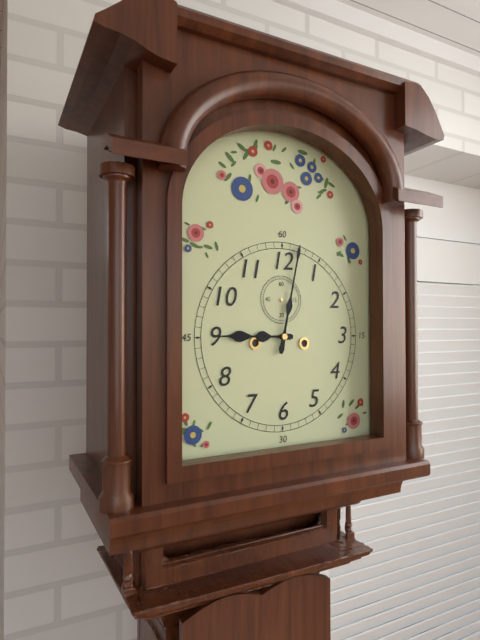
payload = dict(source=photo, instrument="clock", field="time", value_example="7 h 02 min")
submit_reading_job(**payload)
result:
9 h 02 min
